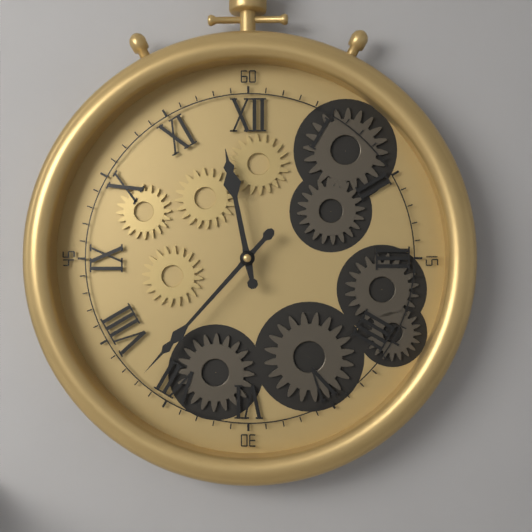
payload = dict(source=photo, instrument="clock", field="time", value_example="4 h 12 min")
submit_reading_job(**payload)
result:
11 h 37 min
